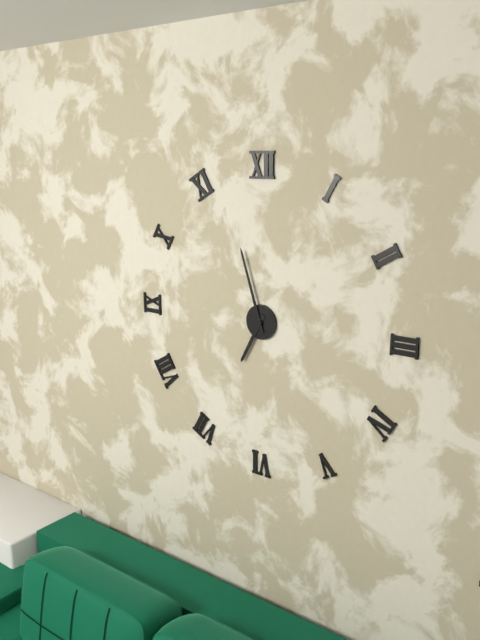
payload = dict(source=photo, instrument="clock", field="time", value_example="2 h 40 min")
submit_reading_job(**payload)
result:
6 h 57 min
